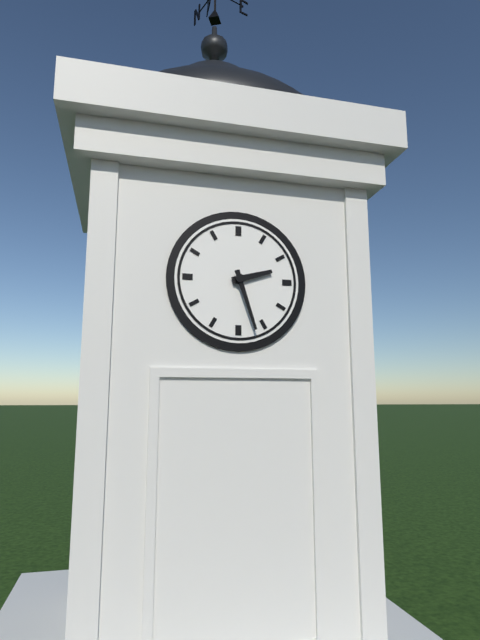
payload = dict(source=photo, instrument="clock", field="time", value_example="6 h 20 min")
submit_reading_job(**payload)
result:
2 h 27 min
